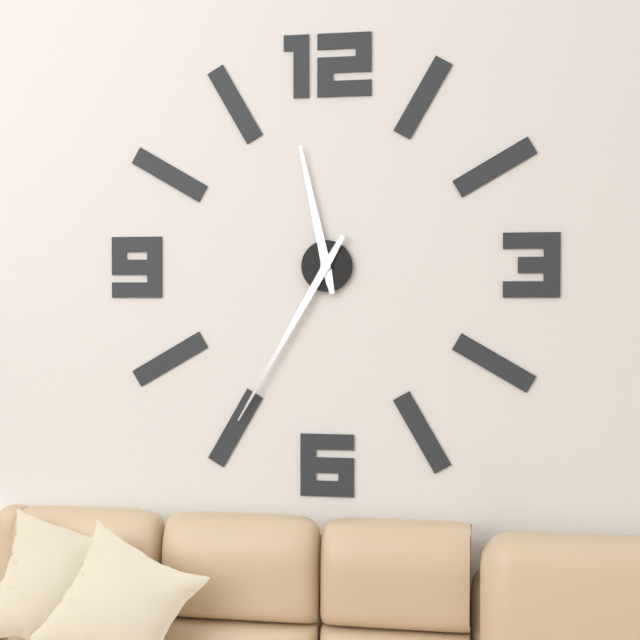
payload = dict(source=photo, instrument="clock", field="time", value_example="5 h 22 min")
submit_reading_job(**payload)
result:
11 h 35 min
